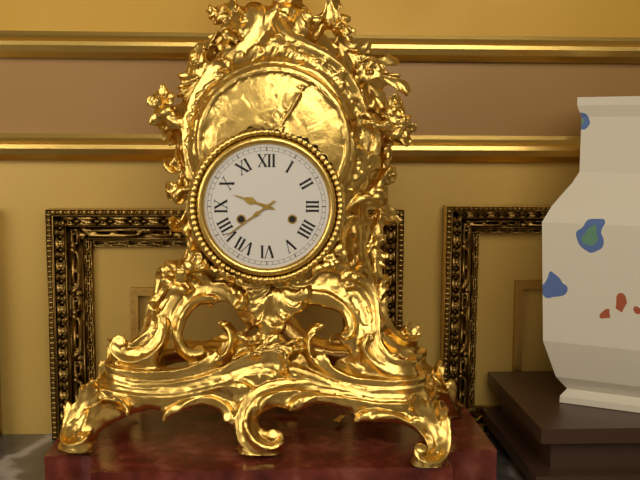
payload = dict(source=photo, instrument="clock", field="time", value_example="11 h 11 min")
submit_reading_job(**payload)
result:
9 h 39 min
